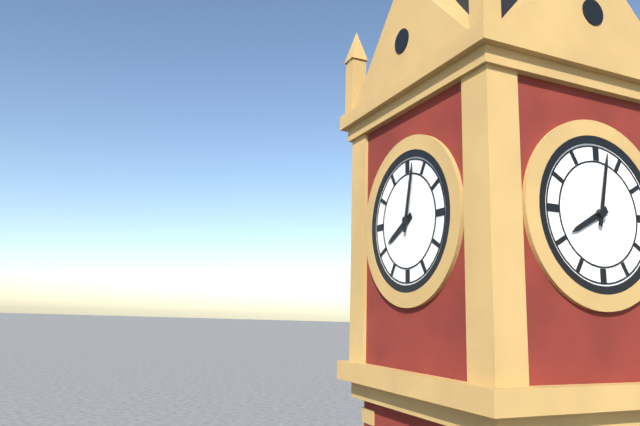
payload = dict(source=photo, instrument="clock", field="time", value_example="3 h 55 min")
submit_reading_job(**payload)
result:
8 h 02 min
